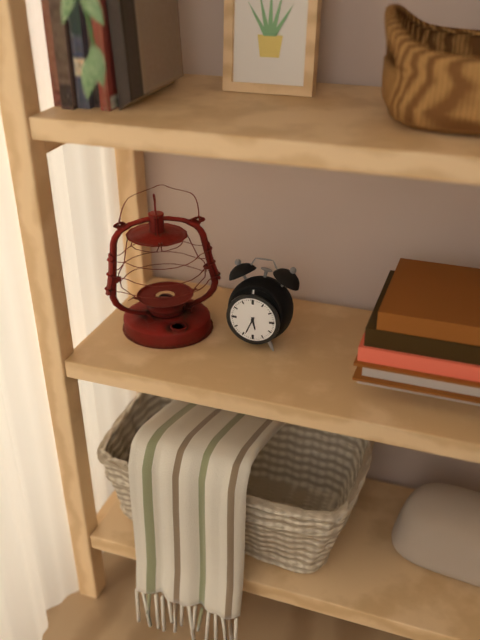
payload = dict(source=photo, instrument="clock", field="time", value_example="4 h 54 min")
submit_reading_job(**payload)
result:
5 h 34 min
